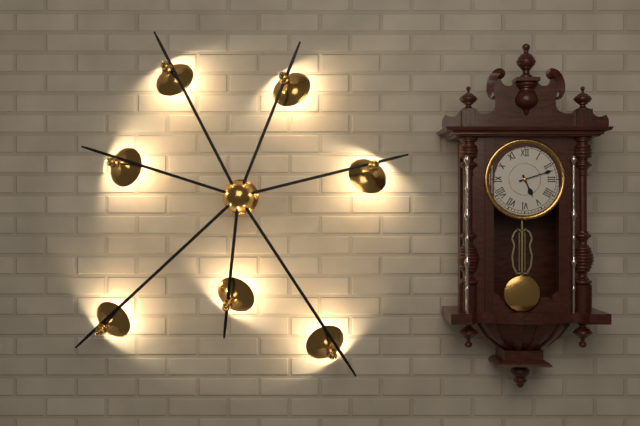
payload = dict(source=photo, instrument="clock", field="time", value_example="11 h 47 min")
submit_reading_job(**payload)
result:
5 h 12 min
